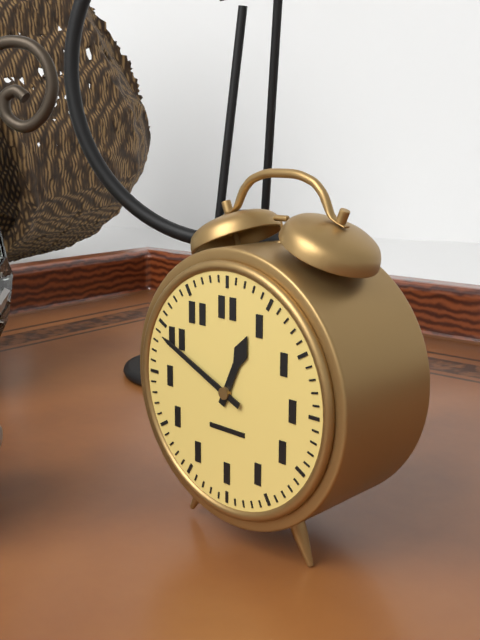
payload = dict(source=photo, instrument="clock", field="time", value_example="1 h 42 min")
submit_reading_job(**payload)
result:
12 h 49 min
